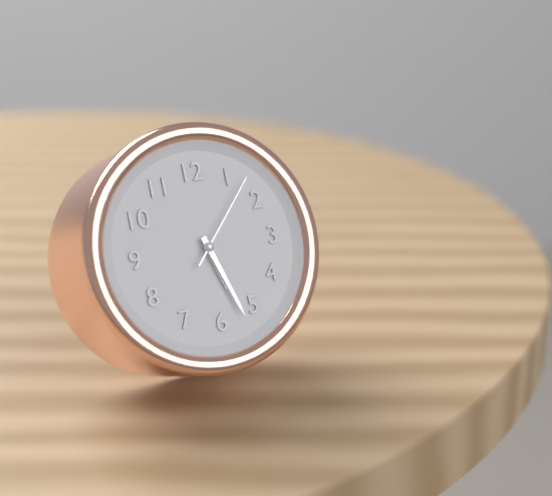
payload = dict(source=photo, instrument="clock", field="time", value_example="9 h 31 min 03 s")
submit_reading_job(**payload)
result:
5 h 27 min 07 s
